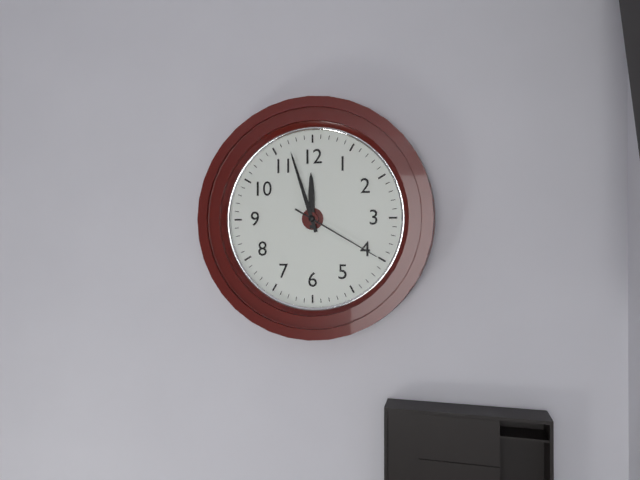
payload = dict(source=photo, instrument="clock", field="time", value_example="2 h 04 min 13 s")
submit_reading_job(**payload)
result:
11 h 57 min 20 s
